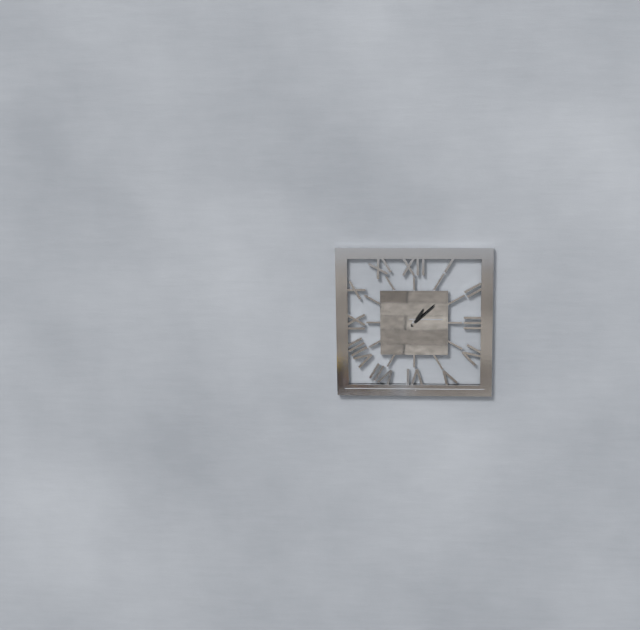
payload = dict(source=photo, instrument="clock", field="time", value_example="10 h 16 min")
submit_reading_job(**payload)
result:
1 h 08 min
